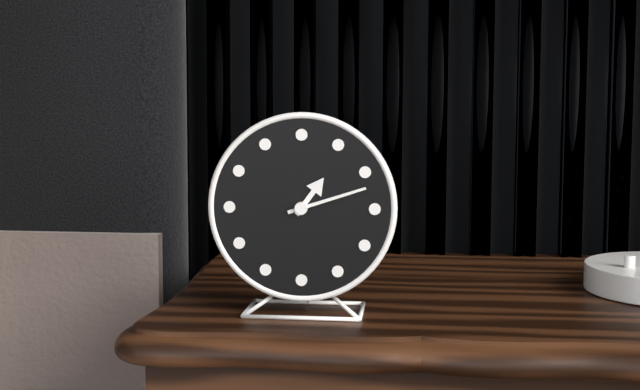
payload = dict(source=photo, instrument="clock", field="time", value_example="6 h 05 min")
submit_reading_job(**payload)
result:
1 h 12 min
